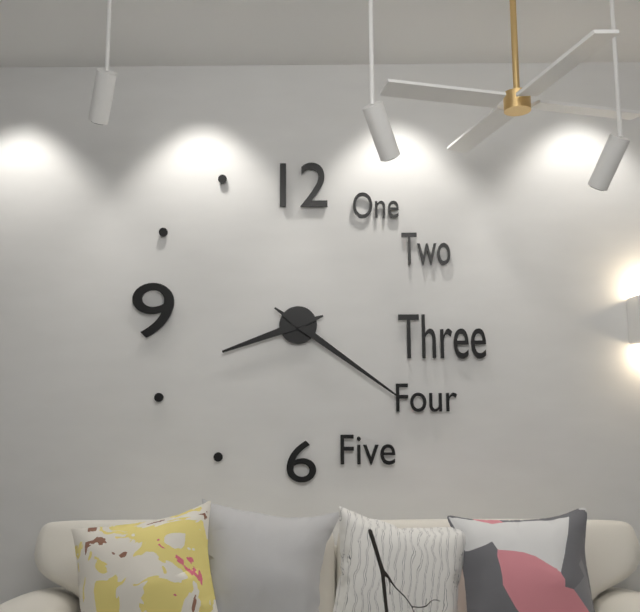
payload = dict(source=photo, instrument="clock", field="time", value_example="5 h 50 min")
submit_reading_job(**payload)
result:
8 h 21 min
